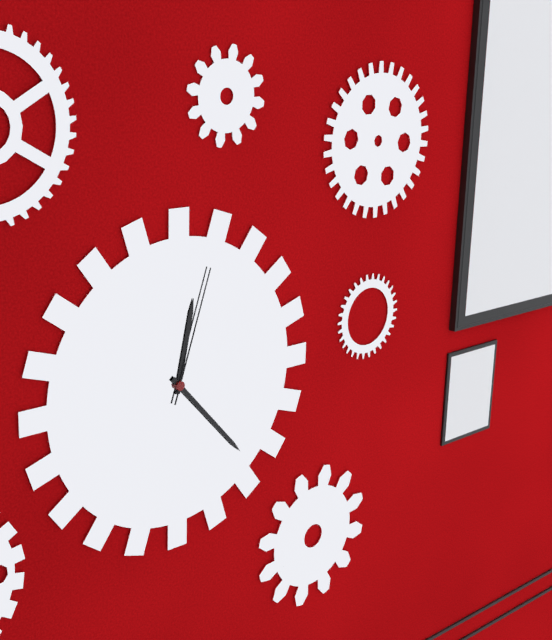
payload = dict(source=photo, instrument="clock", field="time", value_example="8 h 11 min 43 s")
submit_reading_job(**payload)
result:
12 h 23 min 03 s
